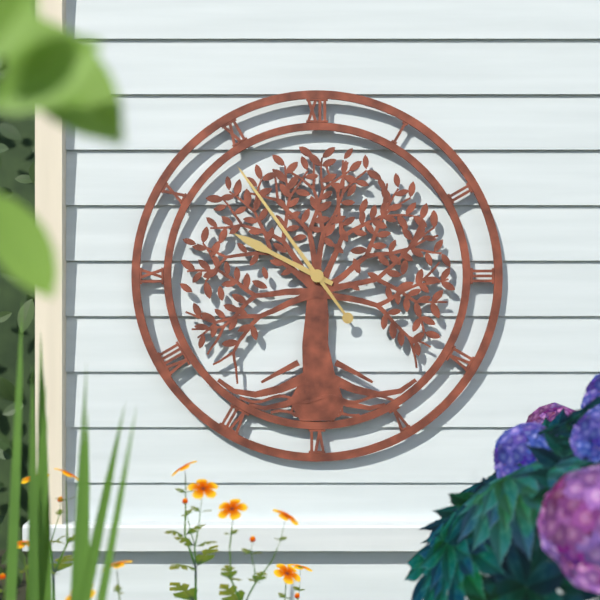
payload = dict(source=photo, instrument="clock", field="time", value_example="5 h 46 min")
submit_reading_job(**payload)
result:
9 h 54 min
